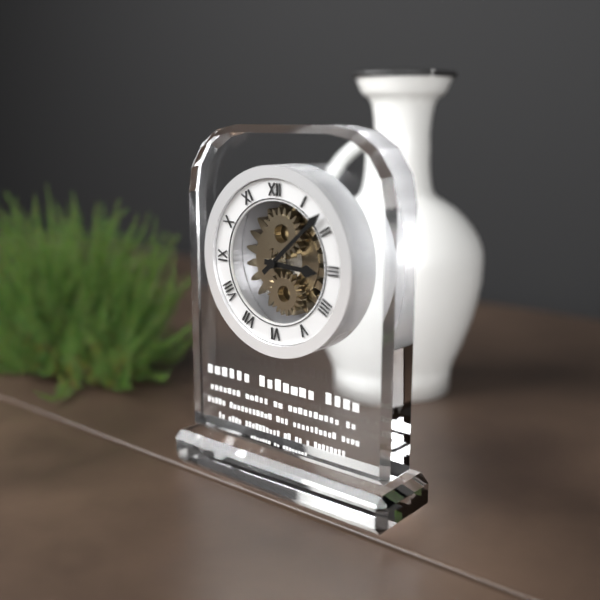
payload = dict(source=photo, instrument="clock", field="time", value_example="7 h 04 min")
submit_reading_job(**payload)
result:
3 h 08 min
